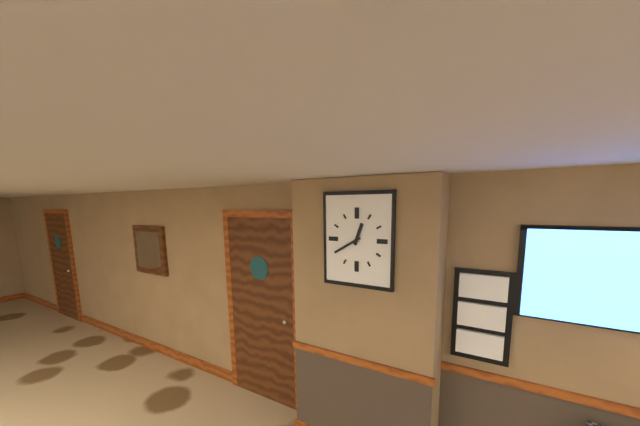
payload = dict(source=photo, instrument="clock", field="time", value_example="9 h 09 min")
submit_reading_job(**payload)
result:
12 h 40 min
